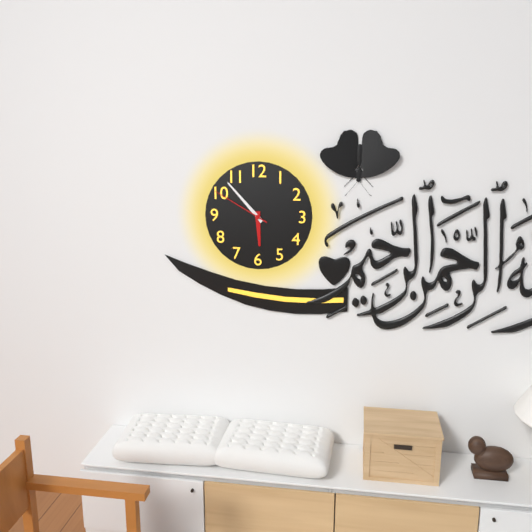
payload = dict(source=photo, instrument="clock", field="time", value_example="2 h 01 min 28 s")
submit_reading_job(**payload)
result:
5 h 53 min 50 s
